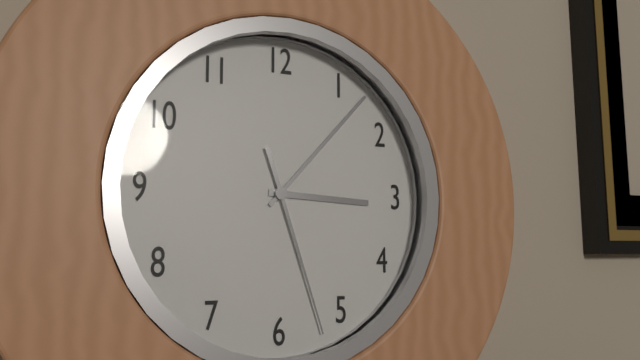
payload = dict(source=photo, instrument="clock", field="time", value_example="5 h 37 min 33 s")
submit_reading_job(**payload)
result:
3 h 07 min 27 s
